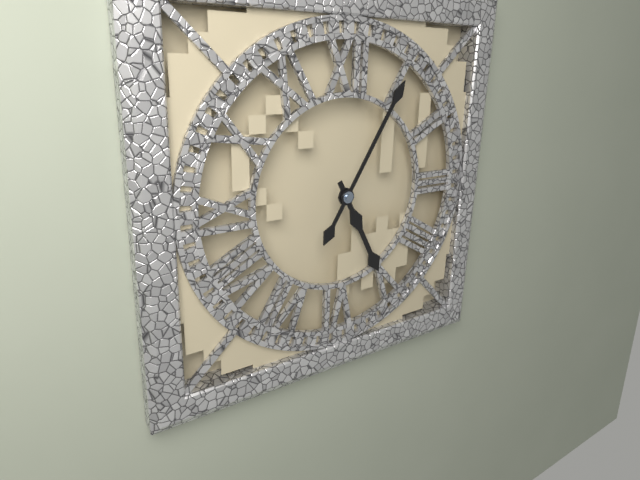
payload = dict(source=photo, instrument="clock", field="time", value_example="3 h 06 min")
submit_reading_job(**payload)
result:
5 h 05 min
